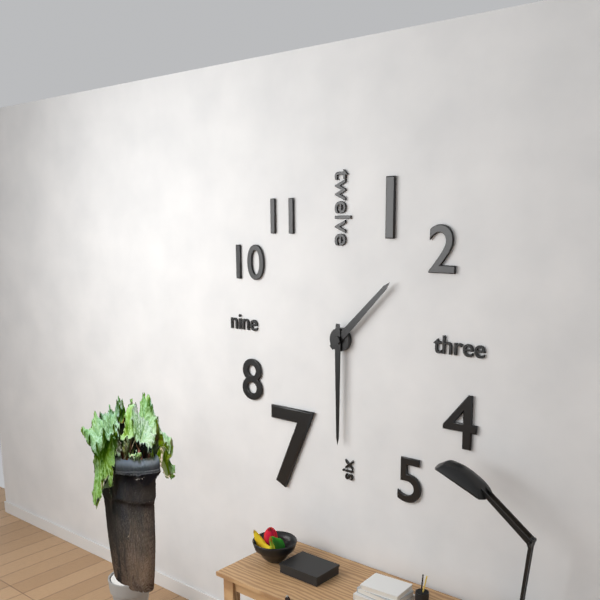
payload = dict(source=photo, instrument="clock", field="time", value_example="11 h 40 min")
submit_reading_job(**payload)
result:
1 h 30 min
